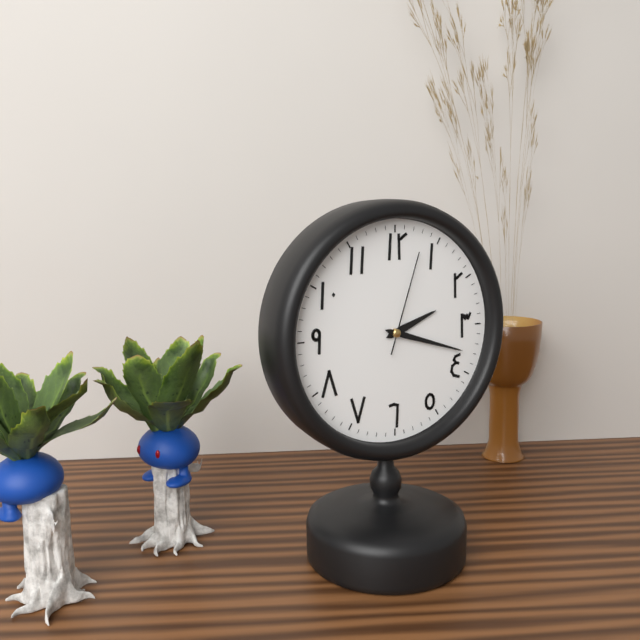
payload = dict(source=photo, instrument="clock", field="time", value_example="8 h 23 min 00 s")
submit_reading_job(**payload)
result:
2 h 18 min 03 s
